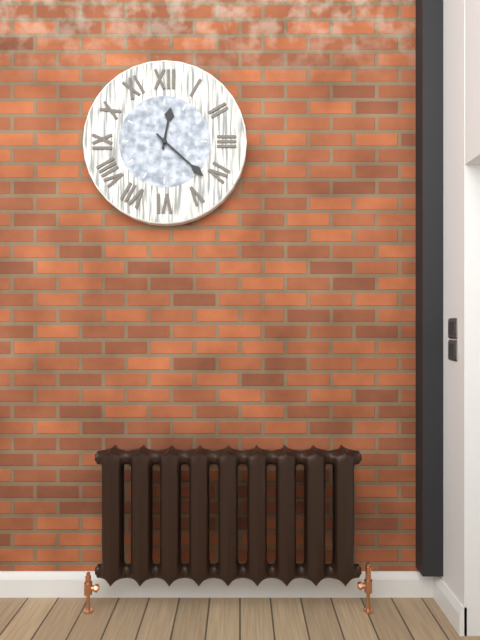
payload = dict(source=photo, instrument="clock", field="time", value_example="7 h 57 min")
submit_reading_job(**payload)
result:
12 h 22 min
